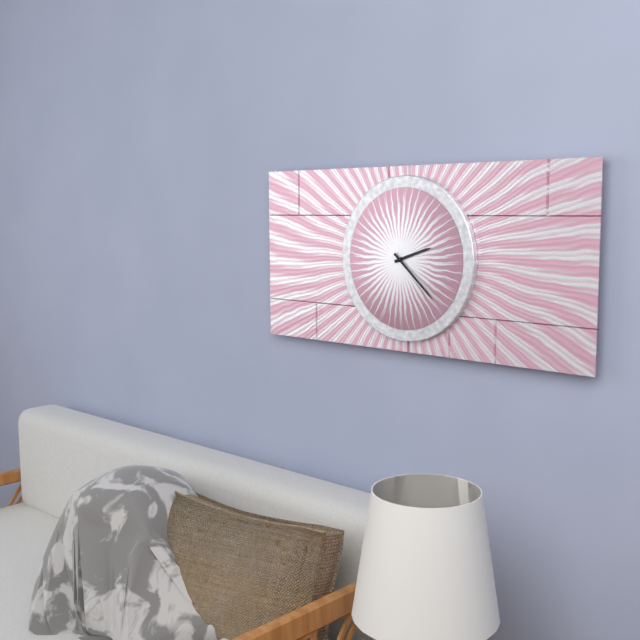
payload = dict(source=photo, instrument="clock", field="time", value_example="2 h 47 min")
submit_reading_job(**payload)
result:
2 h 22 min
